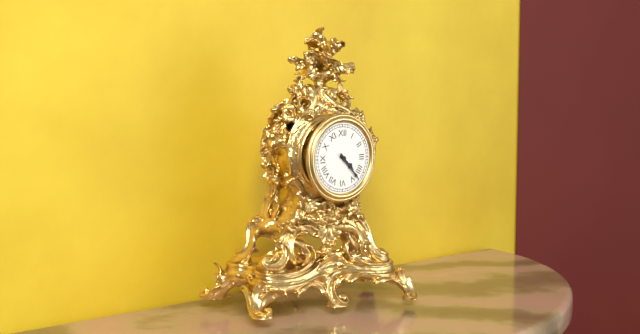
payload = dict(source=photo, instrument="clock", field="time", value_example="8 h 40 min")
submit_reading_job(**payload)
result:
4 h 23 min
